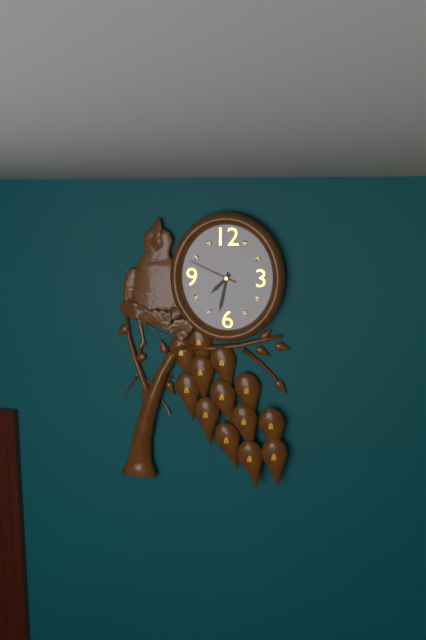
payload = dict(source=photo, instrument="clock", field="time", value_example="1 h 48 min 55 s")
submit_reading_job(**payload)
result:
7 h 32 min 49 s
